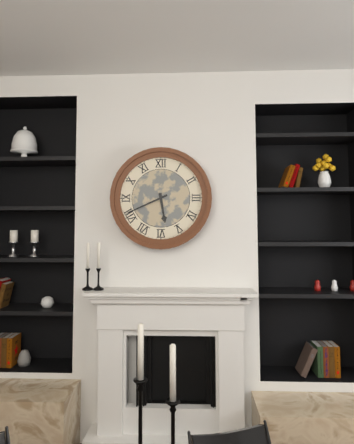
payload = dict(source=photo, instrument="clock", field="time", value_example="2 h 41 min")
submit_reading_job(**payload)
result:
5 h 41 min
